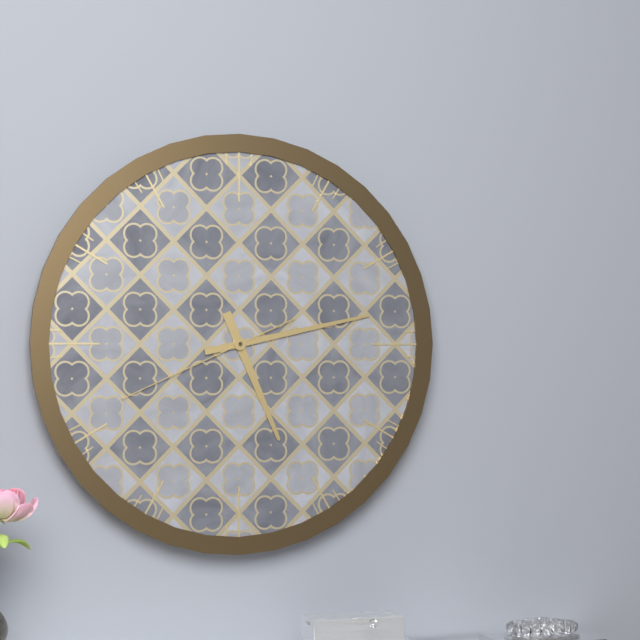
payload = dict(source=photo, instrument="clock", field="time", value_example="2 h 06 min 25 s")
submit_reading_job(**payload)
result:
5 h 13 min 41 s
